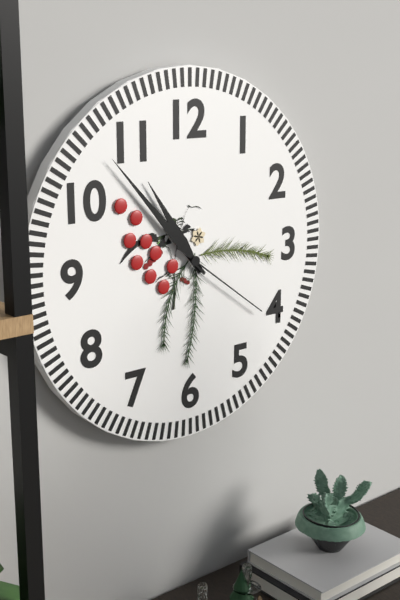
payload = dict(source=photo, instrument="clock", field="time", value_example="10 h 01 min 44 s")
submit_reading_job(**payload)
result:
10 h 53 min 21 s
